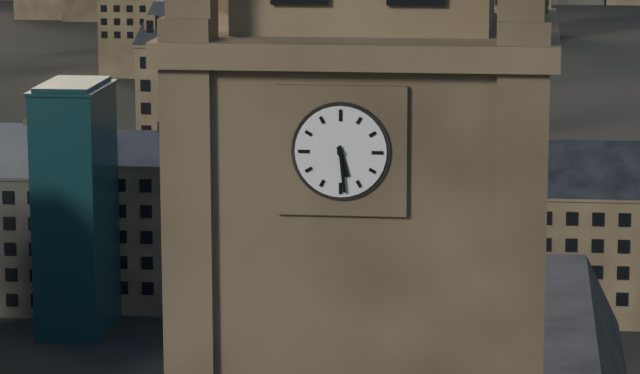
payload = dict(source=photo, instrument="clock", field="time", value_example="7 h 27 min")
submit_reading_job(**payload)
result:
5 h 29 min
